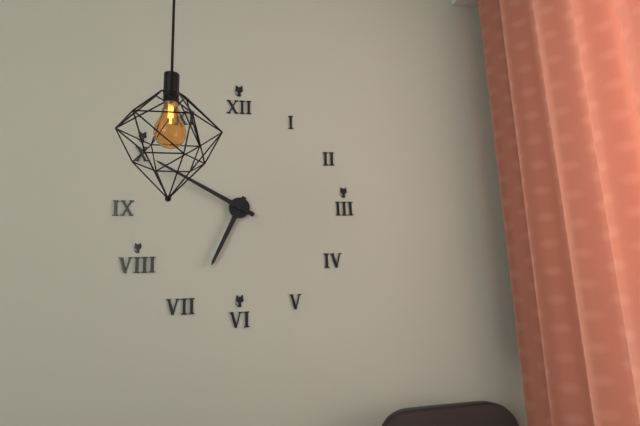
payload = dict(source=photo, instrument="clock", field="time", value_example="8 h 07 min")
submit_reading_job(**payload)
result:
6 h 50 min
